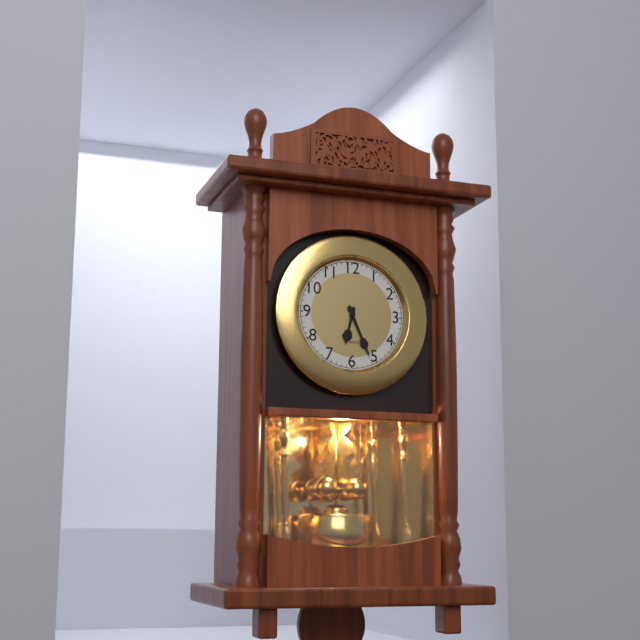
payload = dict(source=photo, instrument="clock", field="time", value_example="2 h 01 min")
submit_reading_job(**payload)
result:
6 h 26 min
